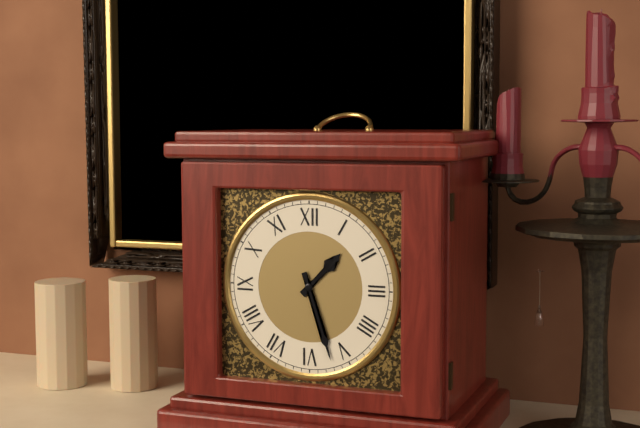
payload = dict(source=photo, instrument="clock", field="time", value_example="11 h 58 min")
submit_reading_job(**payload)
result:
1 h 27 min
